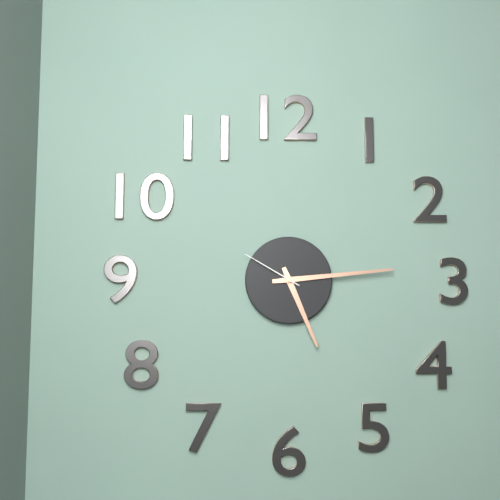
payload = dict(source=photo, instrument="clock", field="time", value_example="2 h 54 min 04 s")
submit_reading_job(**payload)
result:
5 h 14 min 50 s
